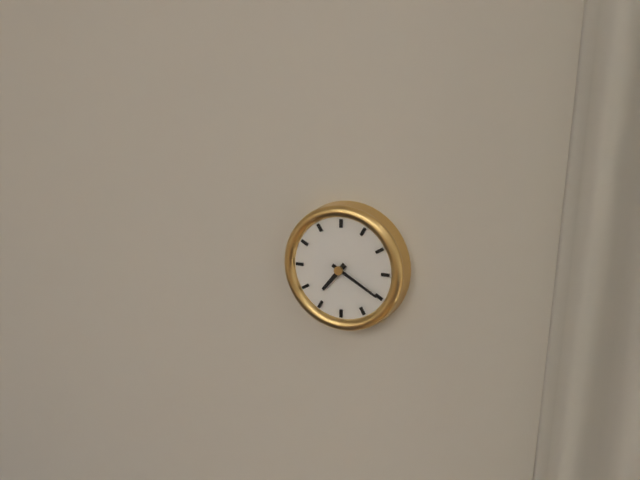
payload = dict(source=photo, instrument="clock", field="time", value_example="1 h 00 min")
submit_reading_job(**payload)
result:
7 h 20 min
